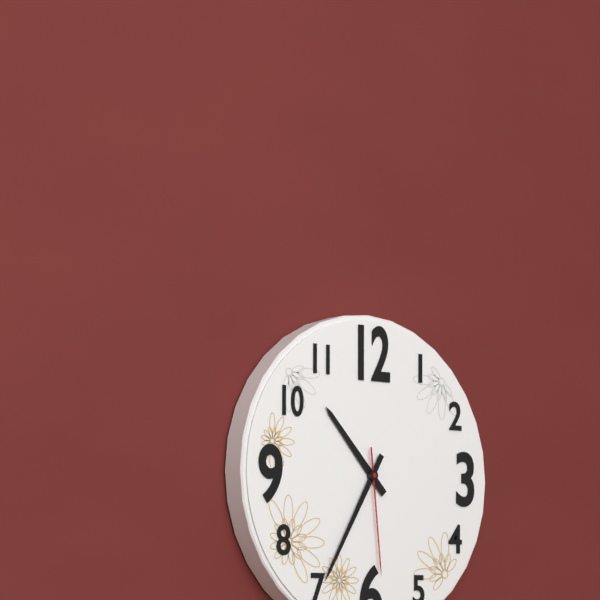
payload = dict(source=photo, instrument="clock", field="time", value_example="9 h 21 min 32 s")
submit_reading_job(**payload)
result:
10 h 35 min 29 s
